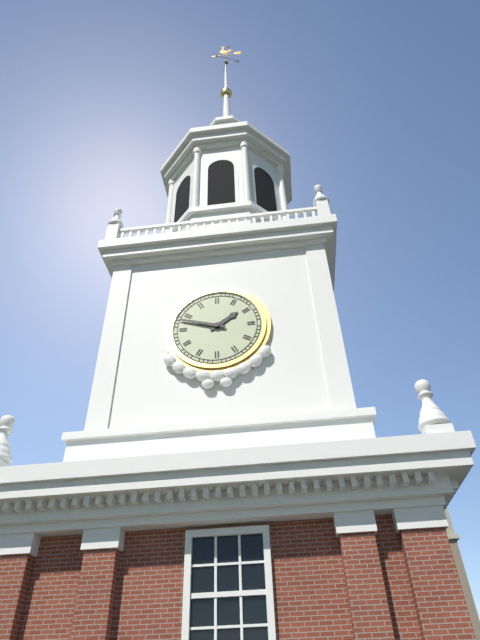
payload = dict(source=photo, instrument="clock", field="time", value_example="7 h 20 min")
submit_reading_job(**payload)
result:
1 h 48 min
